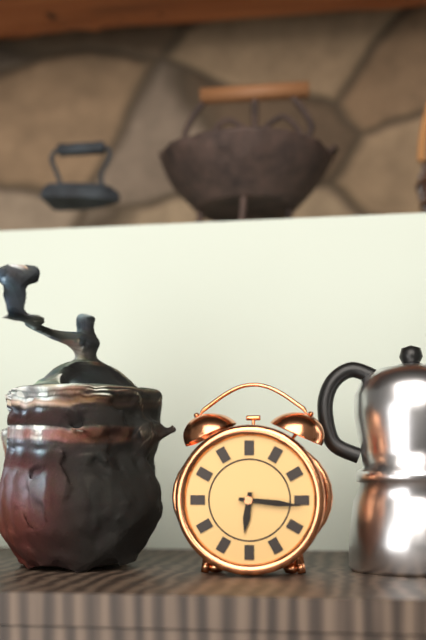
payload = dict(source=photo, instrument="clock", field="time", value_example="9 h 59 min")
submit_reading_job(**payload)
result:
6 h 16 min
